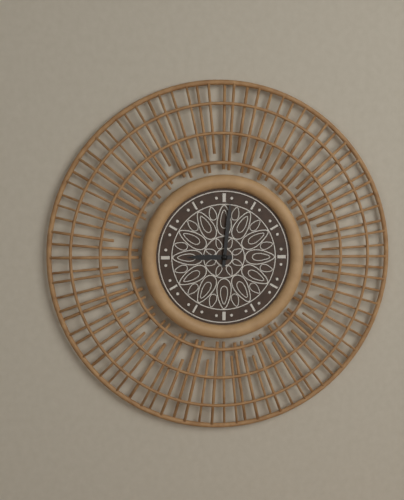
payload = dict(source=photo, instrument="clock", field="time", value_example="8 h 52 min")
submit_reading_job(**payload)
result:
9 h 01 min
